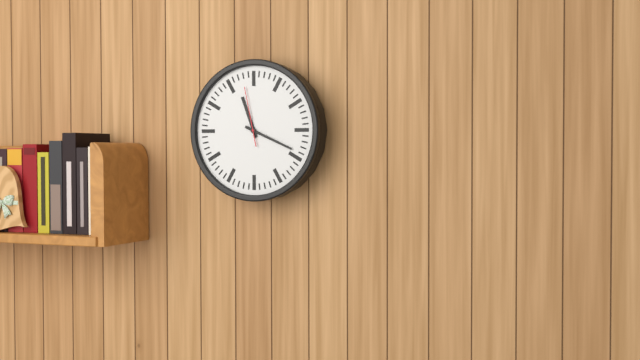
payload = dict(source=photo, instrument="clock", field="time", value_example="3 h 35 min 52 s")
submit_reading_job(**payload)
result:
11 h 19 min 58 s
